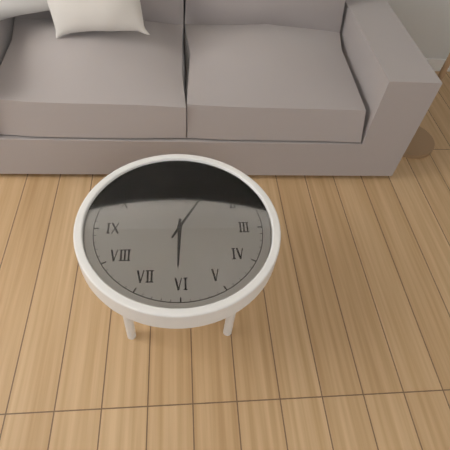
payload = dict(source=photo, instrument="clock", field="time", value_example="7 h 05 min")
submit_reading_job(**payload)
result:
6 h 05 min
